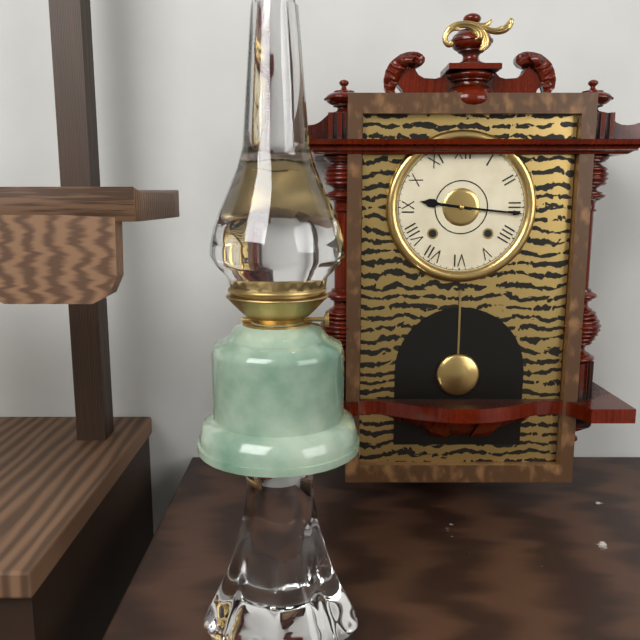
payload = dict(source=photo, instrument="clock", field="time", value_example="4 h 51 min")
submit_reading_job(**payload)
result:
9 h 16 min
